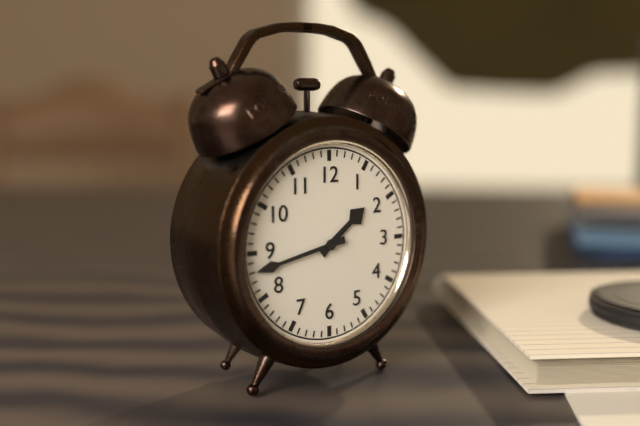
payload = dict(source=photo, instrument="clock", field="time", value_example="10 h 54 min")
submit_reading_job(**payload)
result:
1 h 43 min
